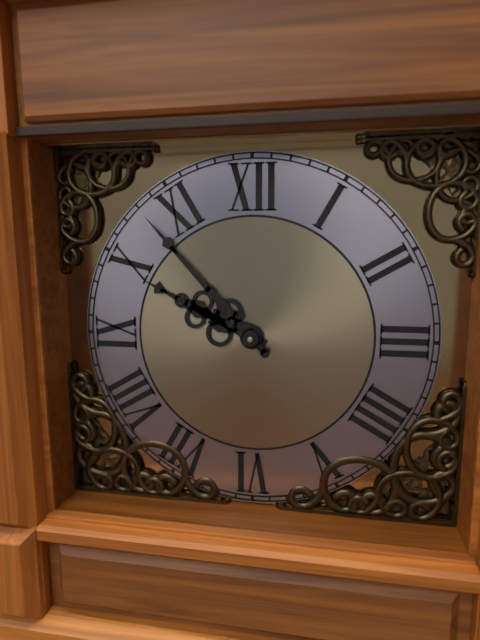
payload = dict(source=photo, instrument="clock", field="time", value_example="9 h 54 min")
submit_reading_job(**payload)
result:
9 h 53 min
